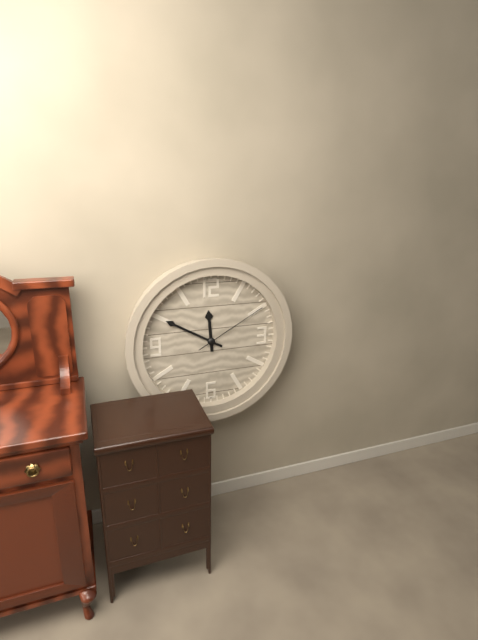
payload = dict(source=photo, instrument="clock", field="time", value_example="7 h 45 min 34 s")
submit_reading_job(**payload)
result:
11 h 50 min 10 s
